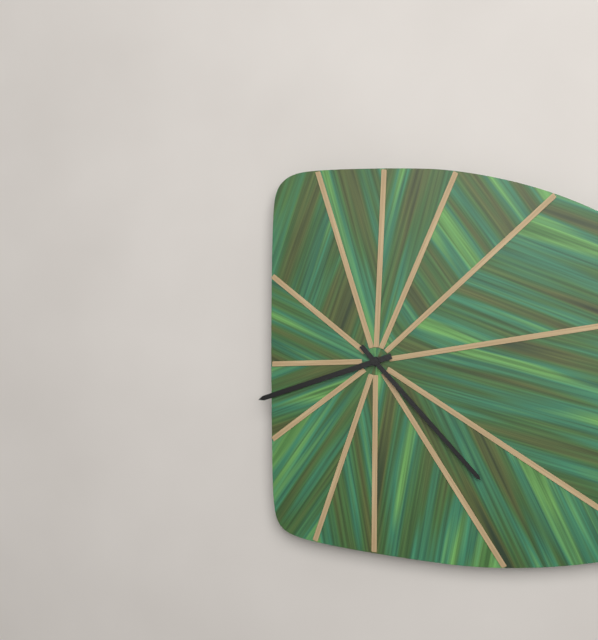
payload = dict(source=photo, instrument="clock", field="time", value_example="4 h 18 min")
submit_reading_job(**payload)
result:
8 h 23 min
